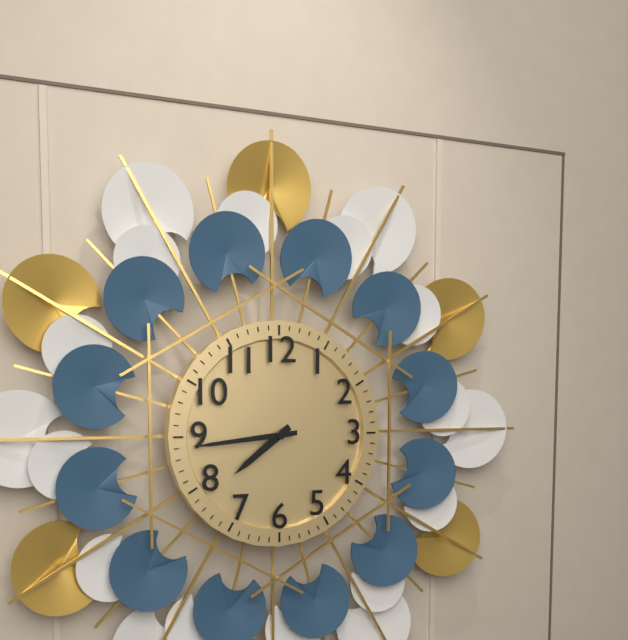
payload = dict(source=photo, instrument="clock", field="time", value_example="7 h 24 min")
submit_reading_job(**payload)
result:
7 h 44 min
